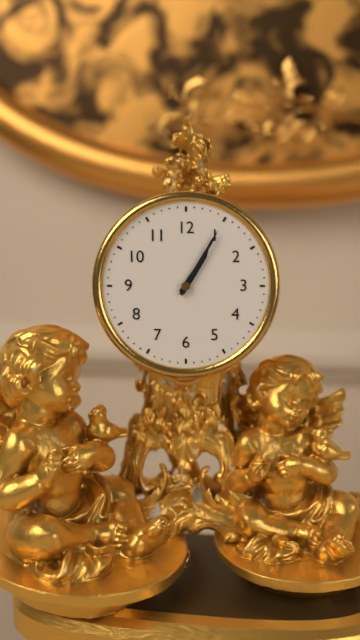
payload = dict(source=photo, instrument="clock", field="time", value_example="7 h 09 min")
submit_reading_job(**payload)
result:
1 h 05 min
